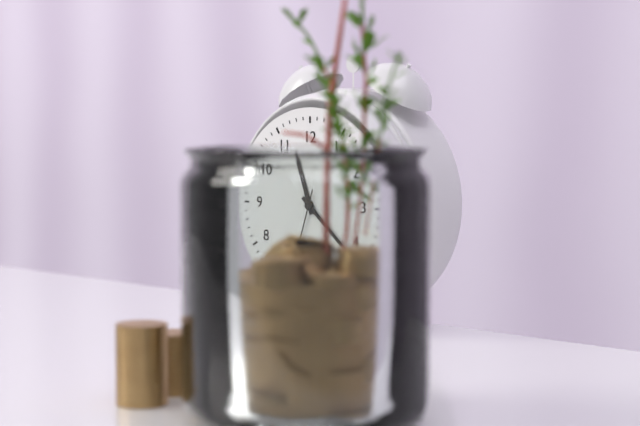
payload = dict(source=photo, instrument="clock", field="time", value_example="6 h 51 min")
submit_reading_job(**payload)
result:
11 h 22 min
